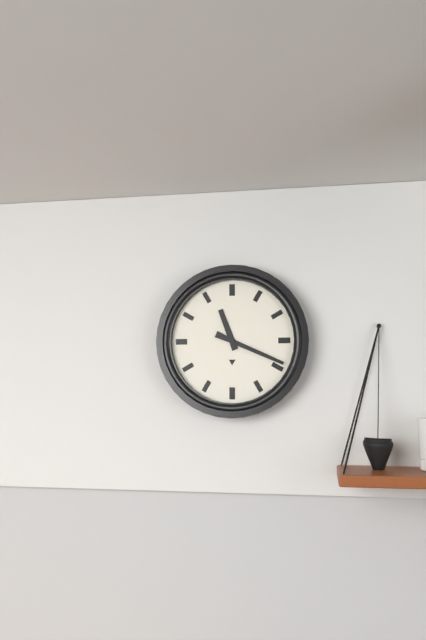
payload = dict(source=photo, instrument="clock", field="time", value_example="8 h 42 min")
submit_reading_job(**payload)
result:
11 h 19 min
